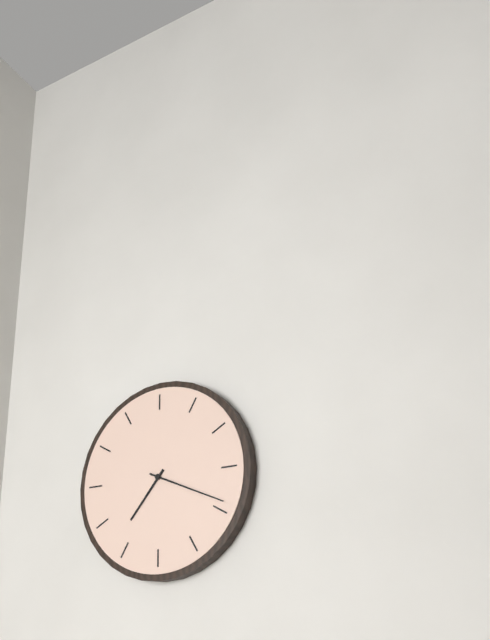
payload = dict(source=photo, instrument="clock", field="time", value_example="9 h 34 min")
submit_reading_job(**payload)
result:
7 h 19 min
